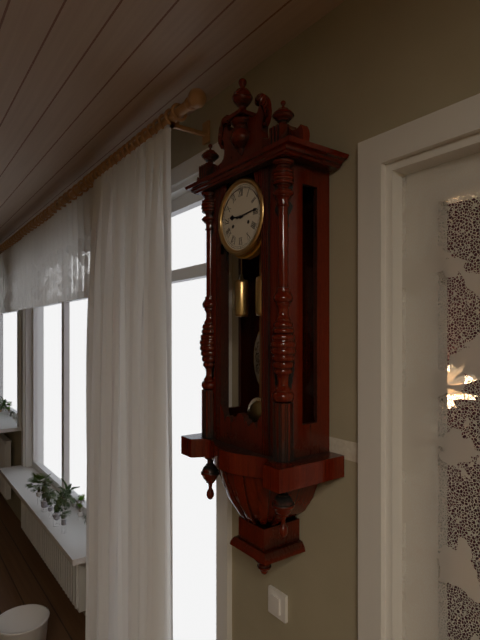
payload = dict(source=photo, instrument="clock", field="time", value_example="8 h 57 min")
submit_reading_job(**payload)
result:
9 h 14 min
